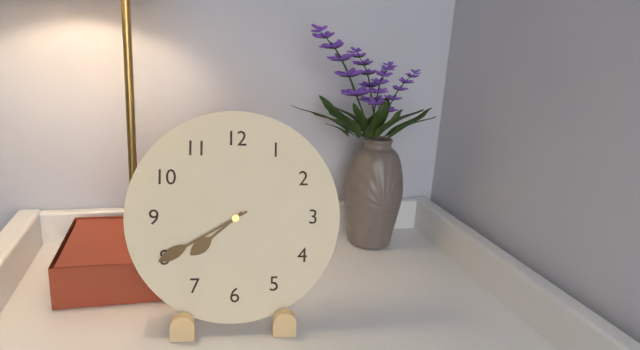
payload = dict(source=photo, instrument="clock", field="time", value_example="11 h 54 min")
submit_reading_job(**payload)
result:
7 h 40 min
